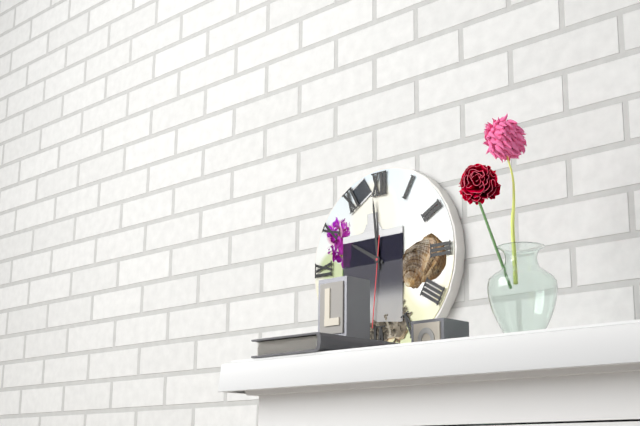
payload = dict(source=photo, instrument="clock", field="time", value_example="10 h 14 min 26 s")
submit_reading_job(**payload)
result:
9 h 59 min 31 s
